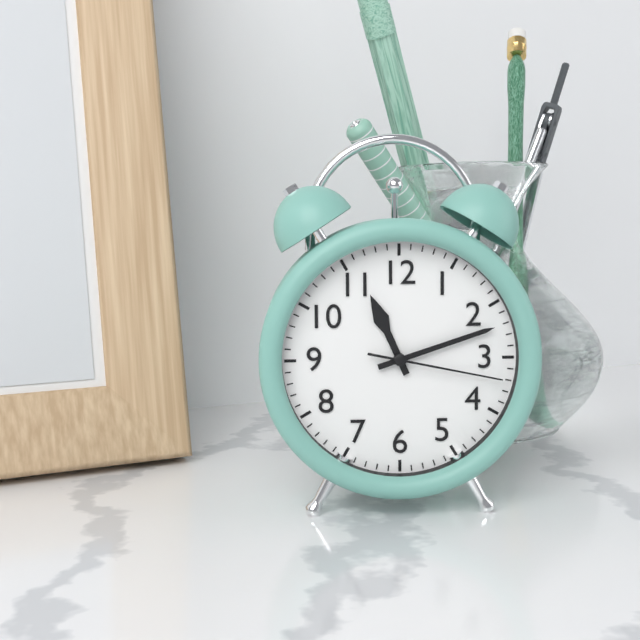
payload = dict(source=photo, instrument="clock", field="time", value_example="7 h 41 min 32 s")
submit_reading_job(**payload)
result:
11 h 12 min 17 s
